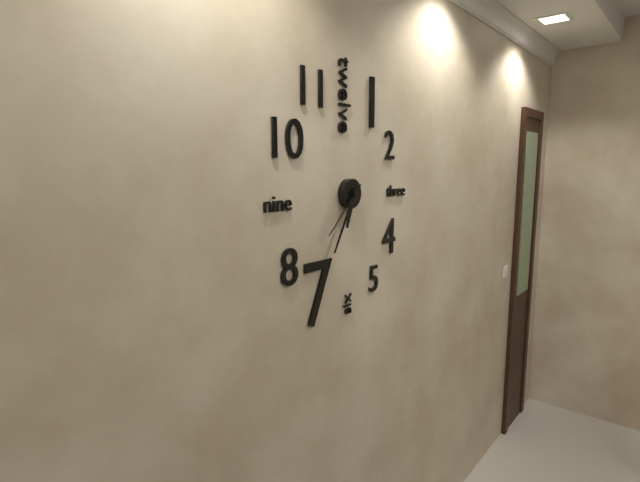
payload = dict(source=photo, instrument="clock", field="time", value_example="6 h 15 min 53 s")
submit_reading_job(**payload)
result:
6 h 35 min 38 s
